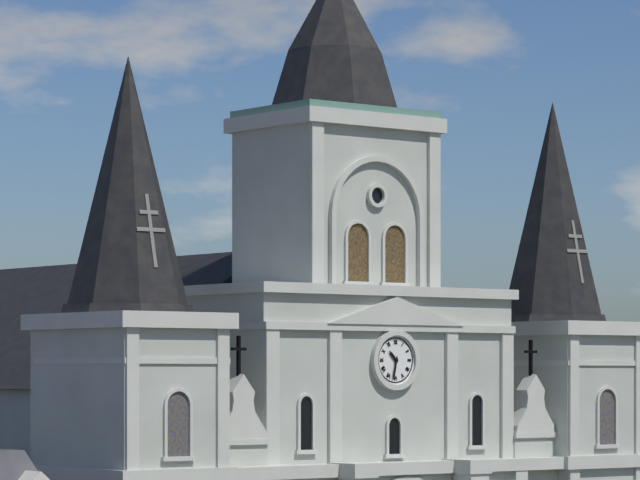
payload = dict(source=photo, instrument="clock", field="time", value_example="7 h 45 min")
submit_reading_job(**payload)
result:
10 h 32 min
